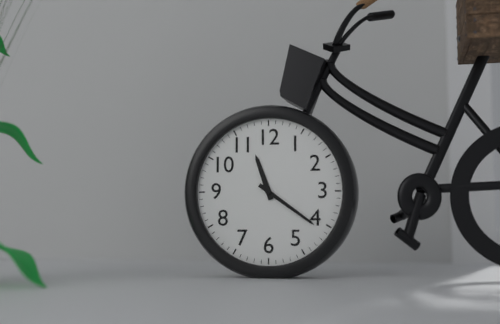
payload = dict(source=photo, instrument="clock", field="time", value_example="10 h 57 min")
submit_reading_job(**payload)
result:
11 h 21 min
